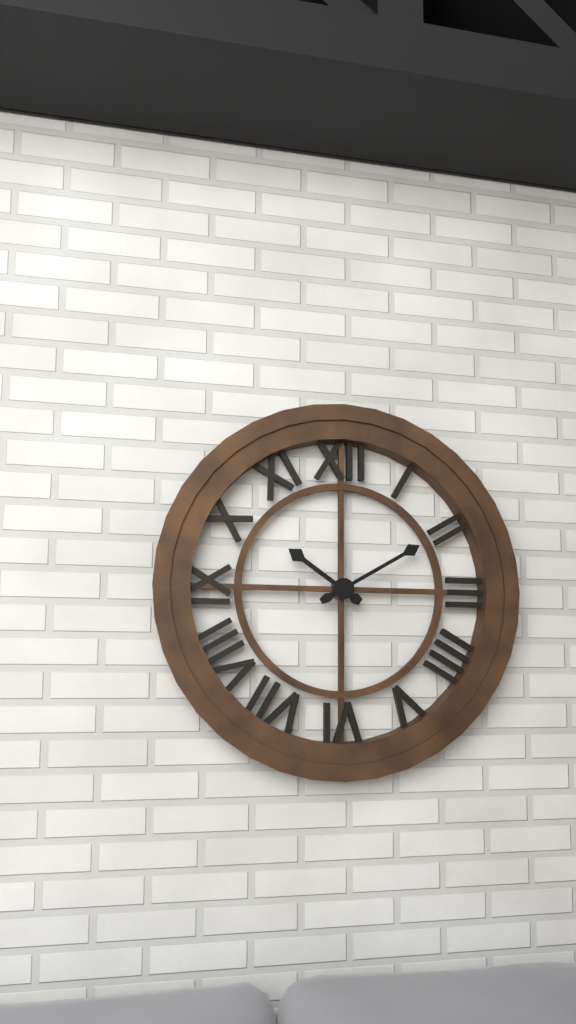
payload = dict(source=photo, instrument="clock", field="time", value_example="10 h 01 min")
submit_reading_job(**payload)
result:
10 h 10 min
